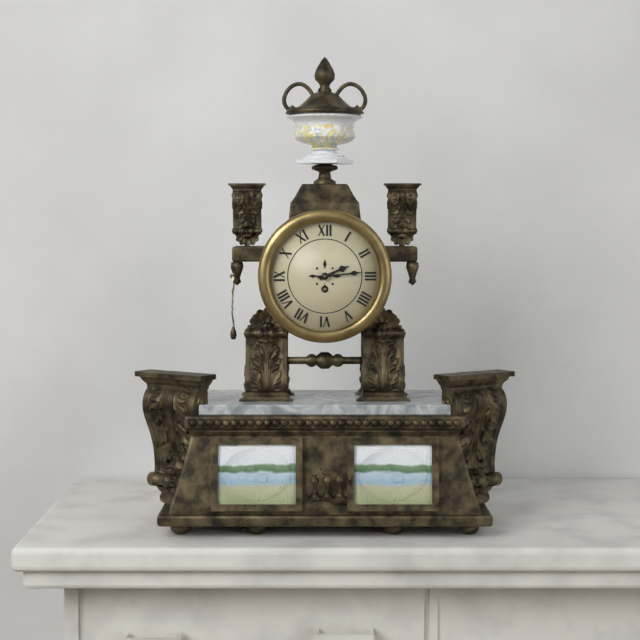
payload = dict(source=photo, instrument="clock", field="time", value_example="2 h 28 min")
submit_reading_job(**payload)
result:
2 h 14 min
